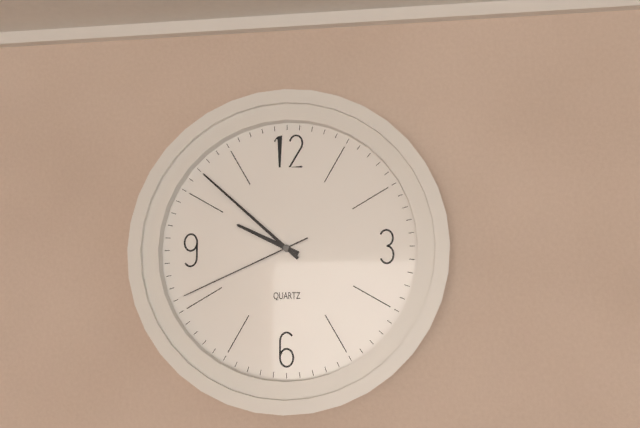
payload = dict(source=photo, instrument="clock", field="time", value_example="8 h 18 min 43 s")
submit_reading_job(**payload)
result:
9 h 52 min 41 s
